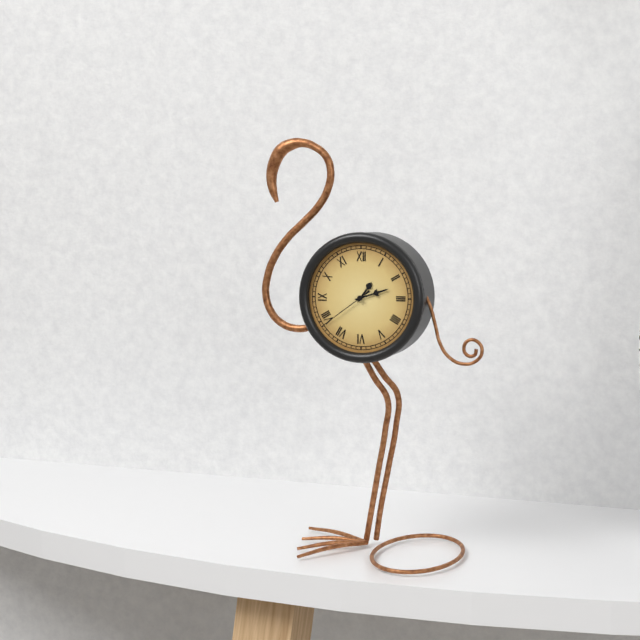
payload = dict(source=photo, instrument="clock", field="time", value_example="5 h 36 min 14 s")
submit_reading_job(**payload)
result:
1 h 12 min 39 s
